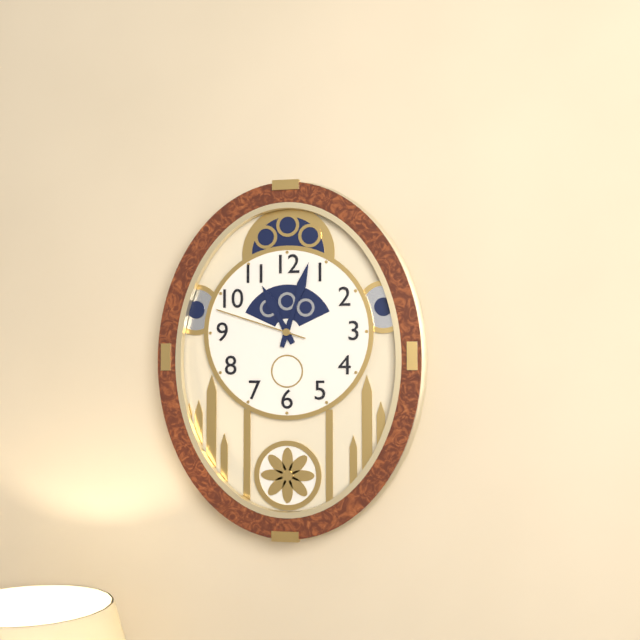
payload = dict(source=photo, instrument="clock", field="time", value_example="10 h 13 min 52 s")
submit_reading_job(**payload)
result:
11 h 03 min 48 s
